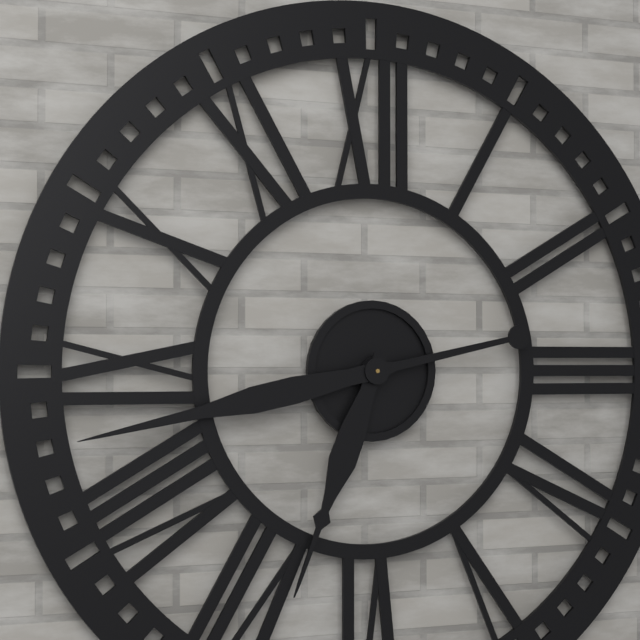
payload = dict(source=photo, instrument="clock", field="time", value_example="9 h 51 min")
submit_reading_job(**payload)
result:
6 h 43 min
